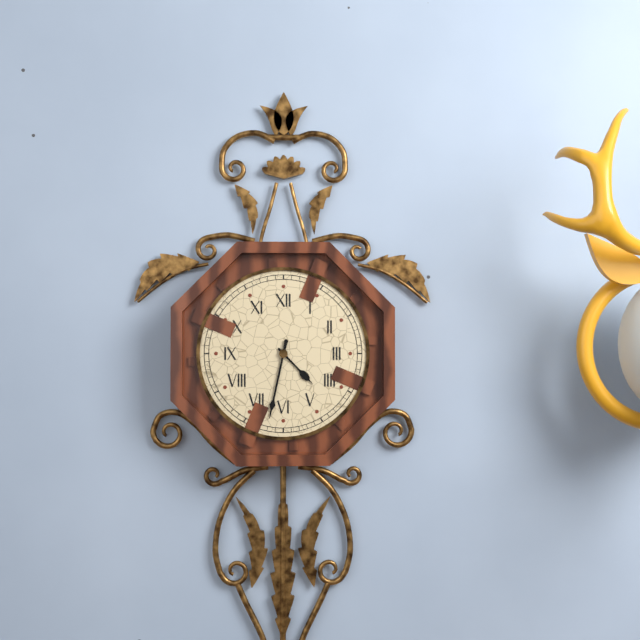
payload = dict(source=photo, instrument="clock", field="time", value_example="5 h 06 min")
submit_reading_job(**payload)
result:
4 h 32 min
